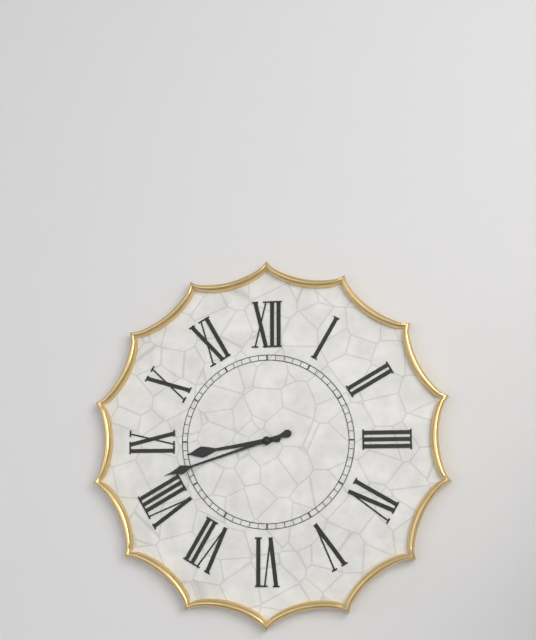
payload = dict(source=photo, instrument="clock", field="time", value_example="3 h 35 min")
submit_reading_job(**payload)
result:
8 h 42 min
